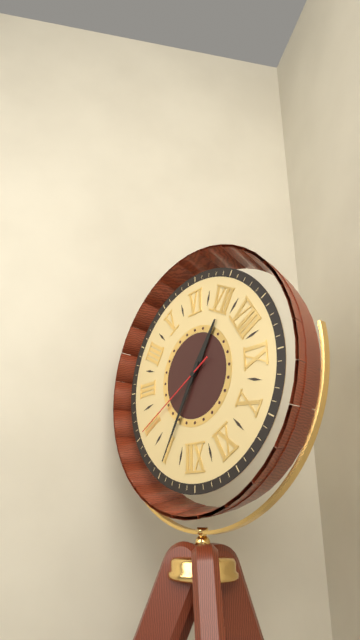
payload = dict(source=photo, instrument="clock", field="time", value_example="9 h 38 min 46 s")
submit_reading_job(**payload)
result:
7 h 05 min 10 s
